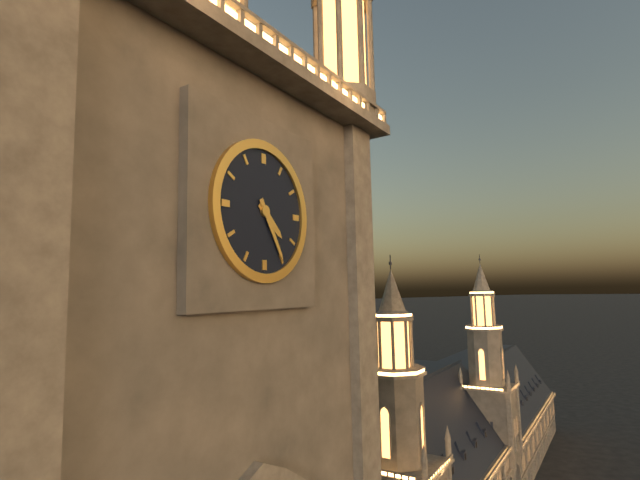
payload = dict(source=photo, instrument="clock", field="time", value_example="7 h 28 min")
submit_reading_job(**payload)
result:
4 h 25 min
